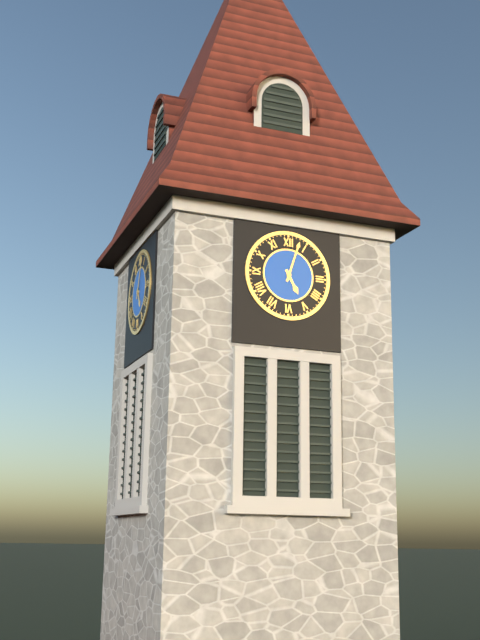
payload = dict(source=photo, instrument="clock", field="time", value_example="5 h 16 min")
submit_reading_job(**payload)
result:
5 h 03 min
